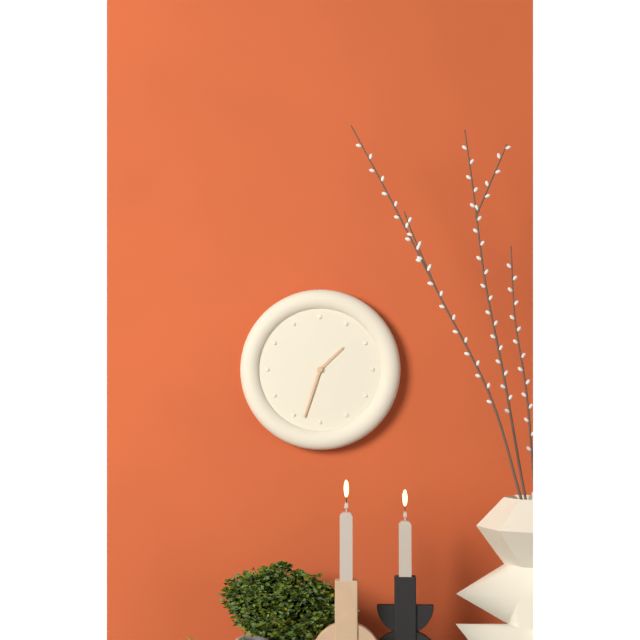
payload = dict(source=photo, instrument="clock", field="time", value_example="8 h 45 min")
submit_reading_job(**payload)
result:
1 h 33 min
